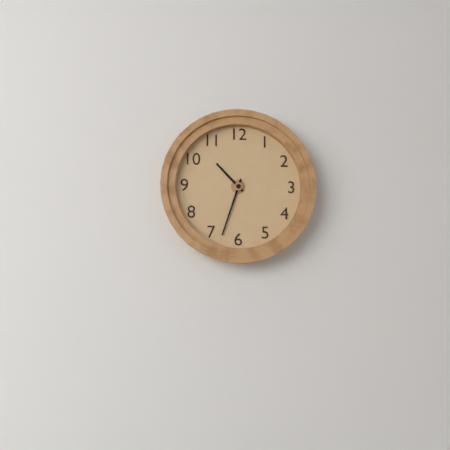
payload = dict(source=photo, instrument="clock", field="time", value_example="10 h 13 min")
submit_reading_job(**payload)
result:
10 h 33 min
